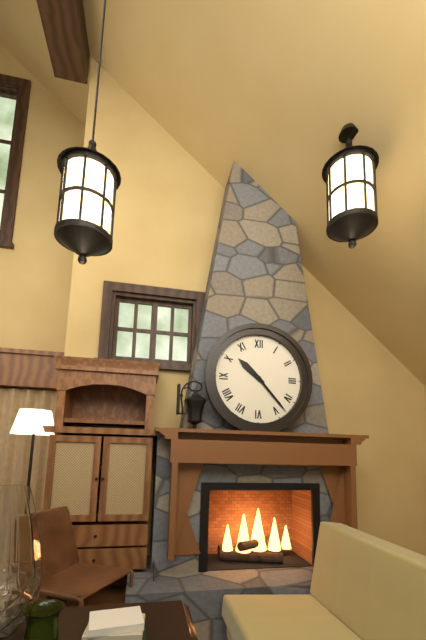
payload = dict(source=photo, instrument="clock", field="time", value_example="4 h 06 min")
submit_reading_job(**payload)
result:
10 h 23 min
